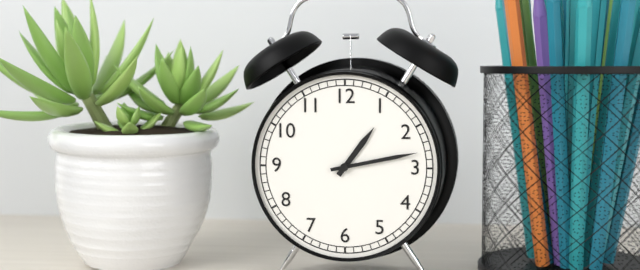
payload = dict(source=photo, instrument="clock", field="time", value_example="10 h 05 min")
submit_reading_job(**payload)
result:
1 h 13 min
